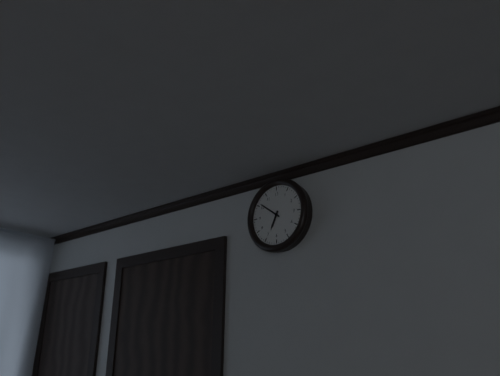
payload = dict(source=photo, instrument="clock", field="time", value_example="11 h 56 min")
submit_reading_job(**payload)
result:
6 h 51 min
